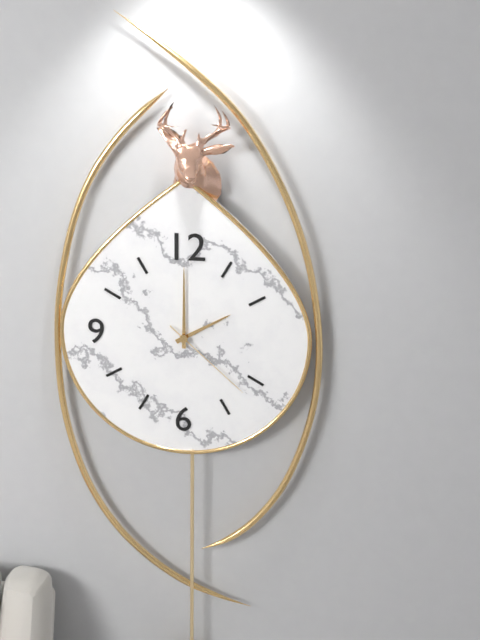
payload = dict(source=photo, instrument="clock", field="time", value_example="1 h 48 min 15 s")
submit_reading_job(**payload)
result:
2 h 00 min 22 s
